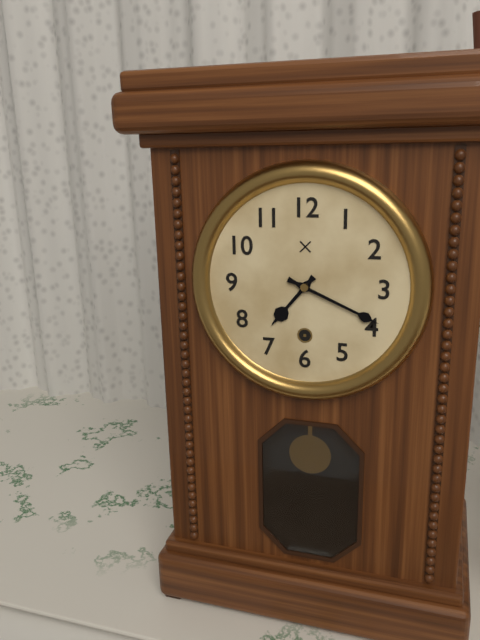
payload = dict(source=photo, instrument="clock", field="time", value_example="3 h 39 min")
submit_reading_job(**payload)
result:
7 h 19 min
